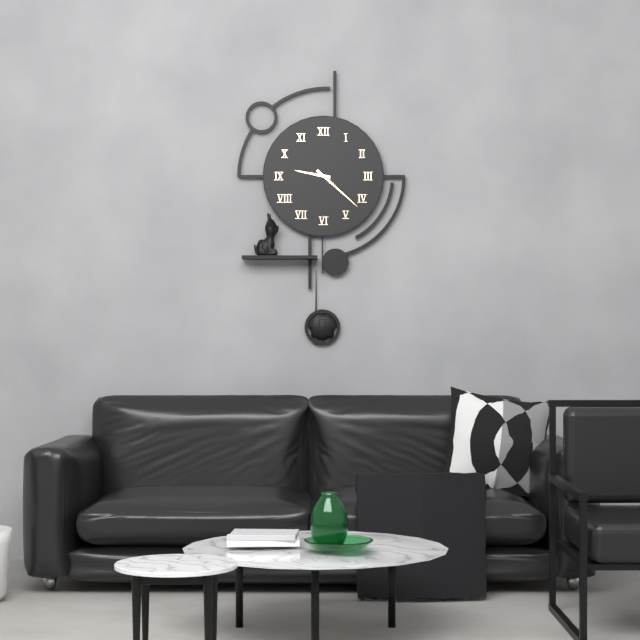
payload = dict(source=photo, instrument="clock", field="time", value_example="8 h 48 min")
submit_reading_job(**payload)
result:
9 h 22 min
